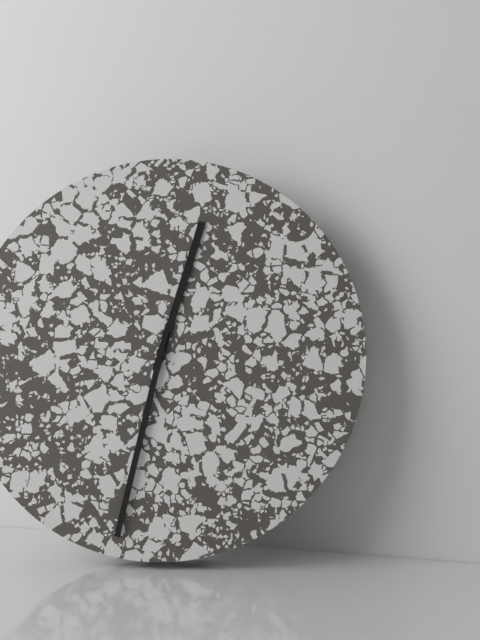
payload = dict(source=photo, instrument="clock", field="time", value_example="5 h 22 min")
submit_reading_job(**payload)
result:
12 h 32 min
